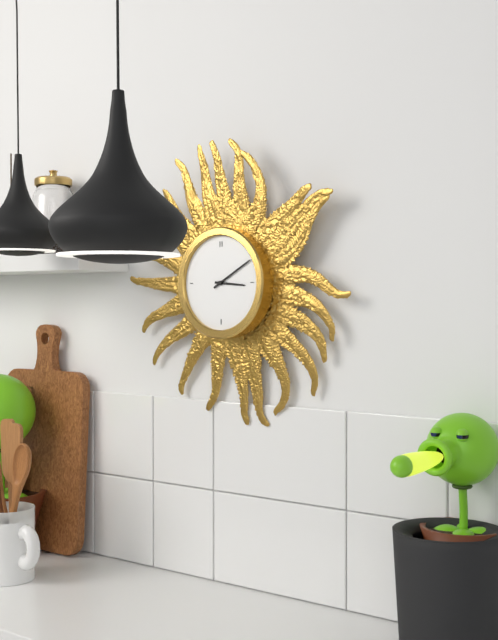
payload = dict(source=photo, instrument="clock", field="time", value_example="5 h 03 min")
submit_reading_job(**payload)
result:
3 h 10 min
